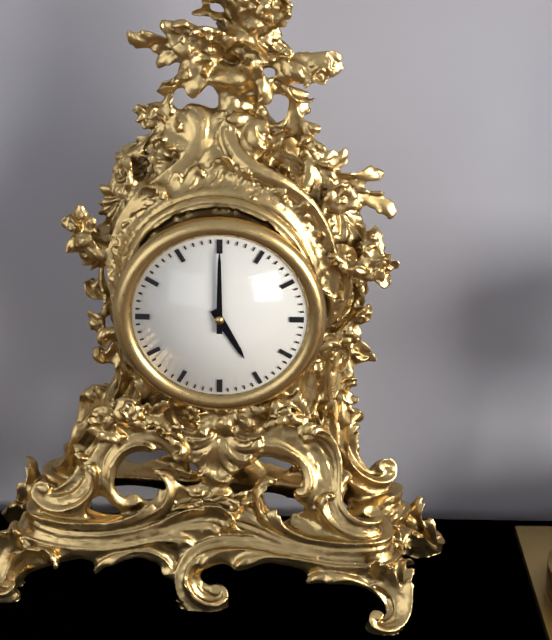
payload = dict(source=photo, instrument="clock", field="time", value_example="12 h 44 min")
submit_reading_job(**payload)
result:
5 h 00 min
